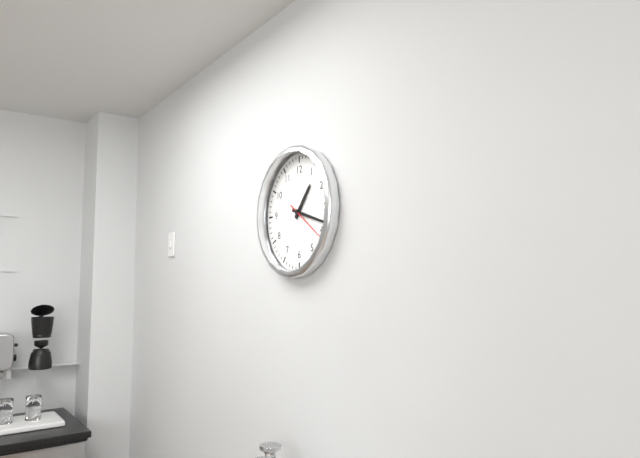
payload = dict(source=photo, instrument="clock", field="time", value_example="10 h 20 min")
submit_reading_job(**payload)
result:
1 h 18 min
